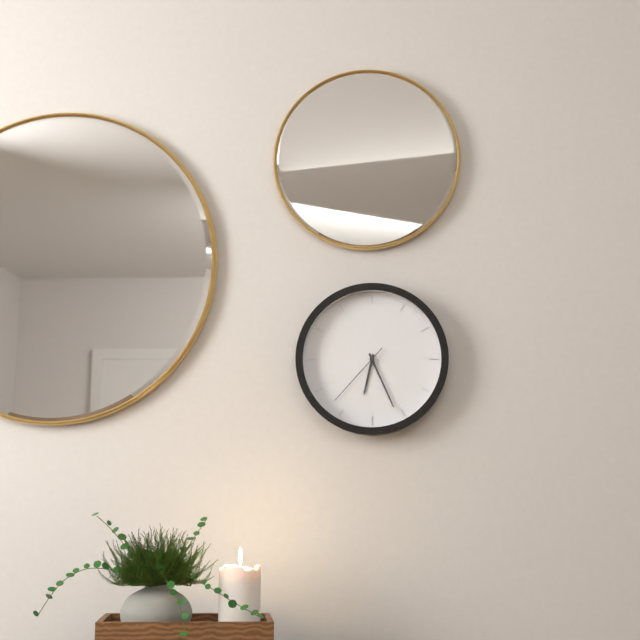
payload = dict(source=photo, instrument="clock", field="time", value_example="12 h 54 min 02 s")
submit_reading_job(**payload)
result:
6 h 26 min 37 s
